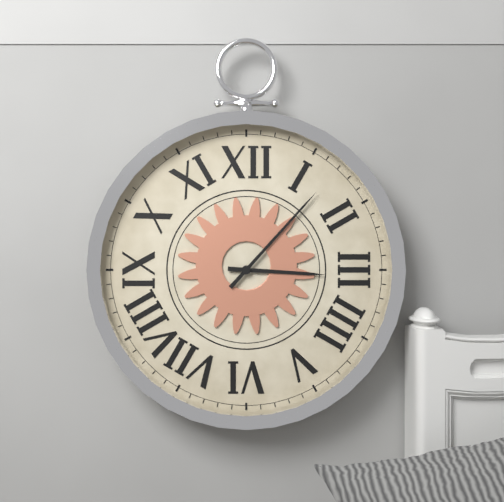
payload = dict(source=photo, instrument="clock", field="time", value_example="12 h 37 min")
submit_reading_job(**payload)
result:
3 h 07 min
